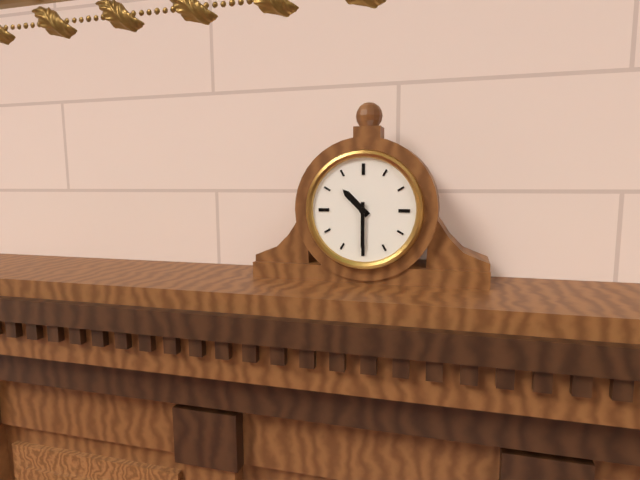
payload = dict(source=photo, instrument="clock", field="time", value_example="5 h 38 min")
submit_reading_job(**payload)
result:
10 h 30 min
